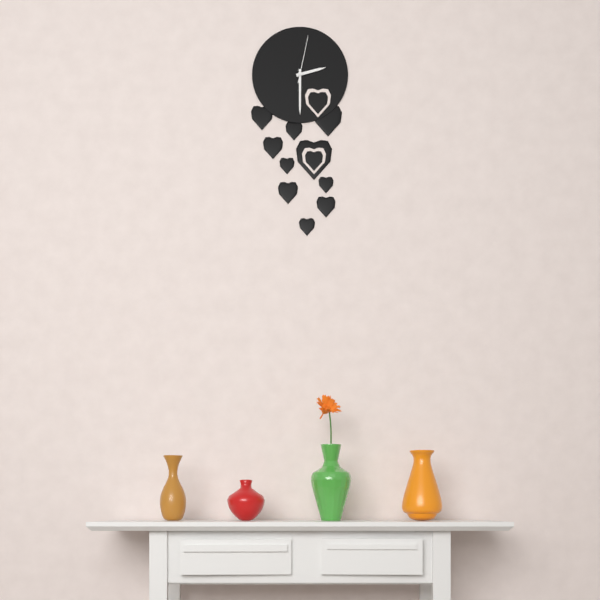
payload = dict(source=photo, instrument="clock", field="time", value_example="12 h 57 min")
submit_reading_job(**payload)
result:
2 h 30 min
